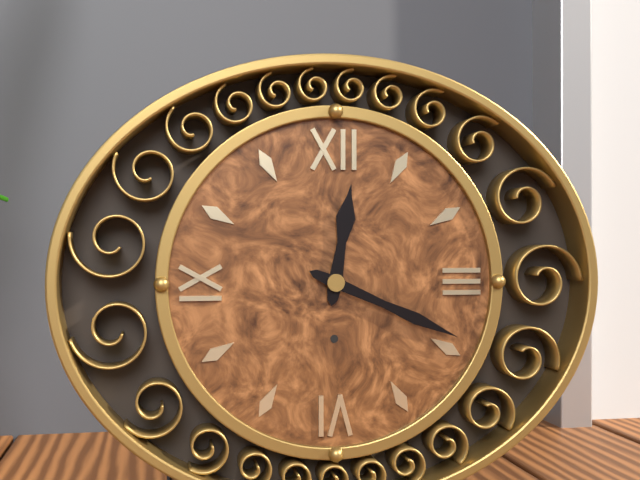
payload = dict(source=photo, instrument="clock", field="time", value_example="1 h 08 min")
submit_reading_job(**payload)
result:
12 h 19 min
